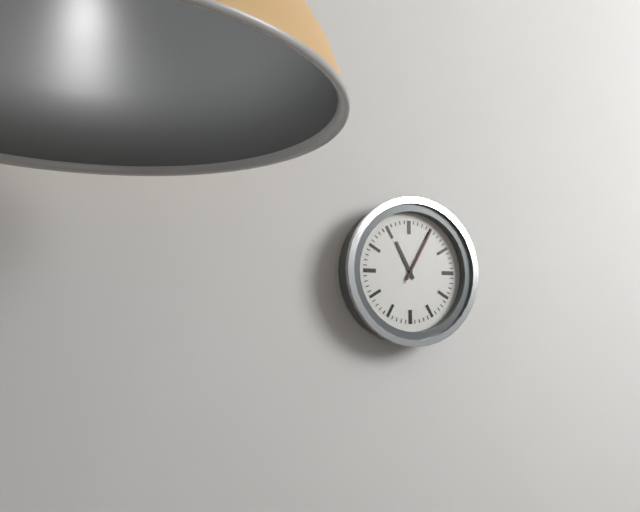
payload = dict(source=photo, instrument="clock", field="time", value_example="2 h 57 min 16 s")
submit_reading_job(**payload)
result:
11 h 05 min 05 s
